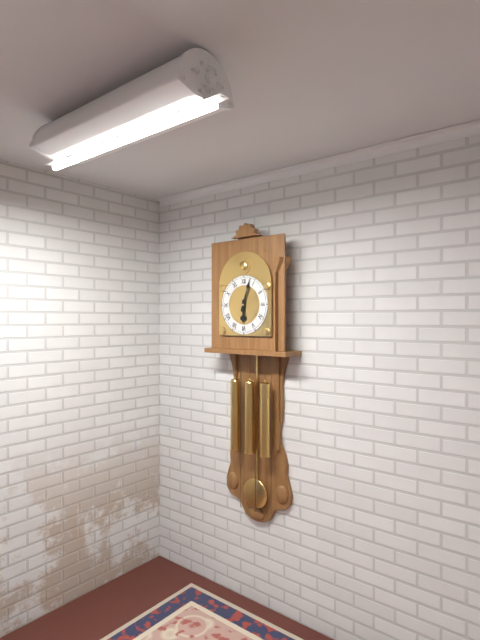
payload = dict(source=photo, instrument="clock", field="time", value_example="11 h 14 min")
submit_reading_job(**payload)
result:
6 h 03 min
